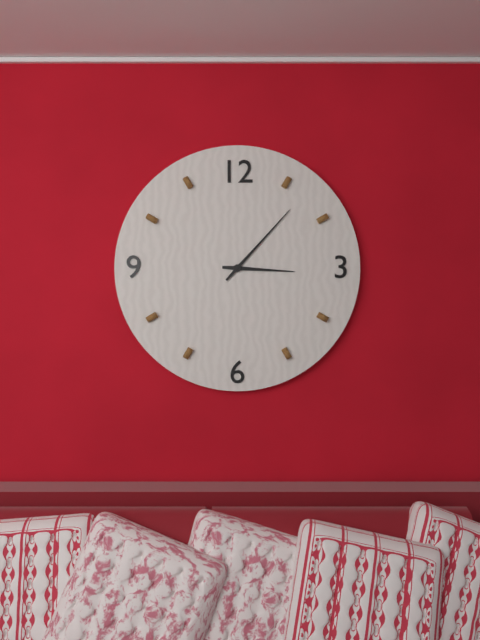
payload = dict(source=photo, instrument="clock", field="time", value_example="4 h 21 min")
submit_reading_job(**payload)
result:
3 h 07 min
